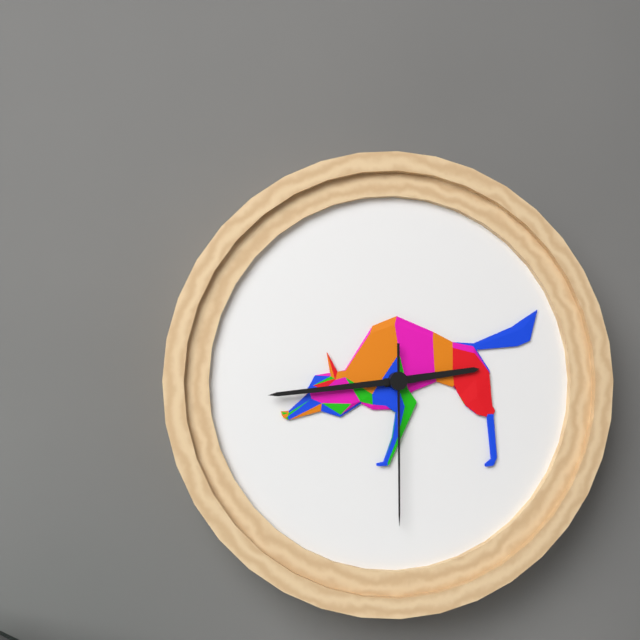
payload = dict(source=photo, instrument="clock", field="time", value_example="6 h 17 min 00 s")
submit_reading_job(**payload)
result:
2 h 44 min 30 s
